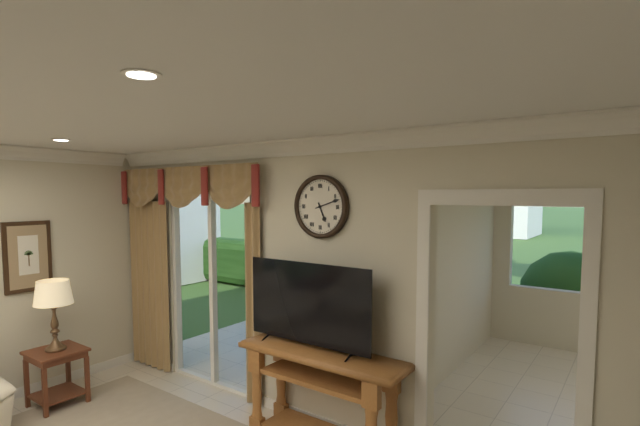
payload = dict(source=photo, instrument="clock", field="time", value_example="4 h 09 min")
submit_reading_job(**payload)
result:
5 h 12 min
